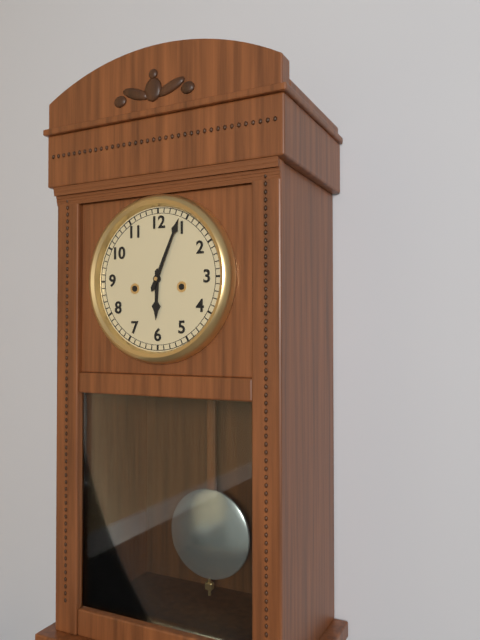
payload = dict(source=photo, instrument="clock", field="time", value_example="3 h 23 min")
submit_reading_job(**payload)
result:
6 h 04 min
